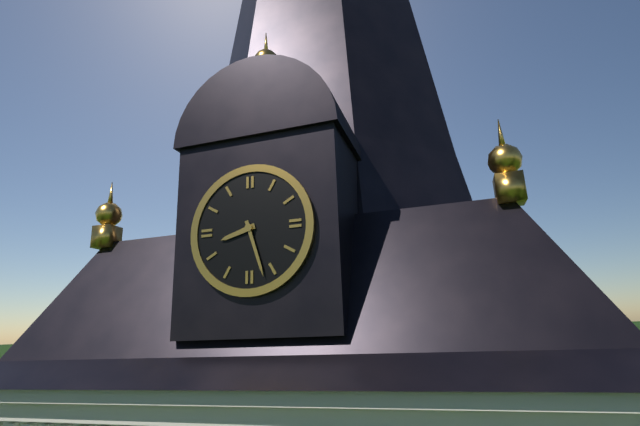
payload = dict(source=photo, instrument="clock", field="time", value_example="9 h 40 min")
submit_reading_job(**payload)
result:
8 h 27 min
